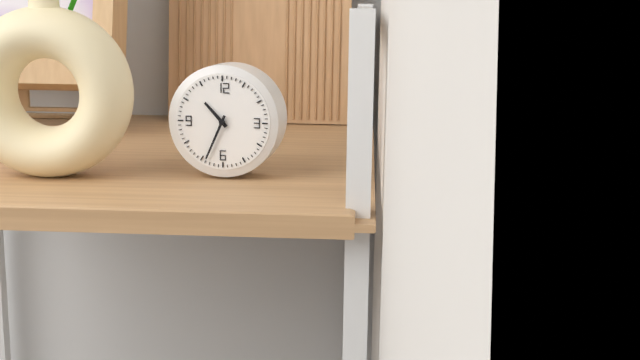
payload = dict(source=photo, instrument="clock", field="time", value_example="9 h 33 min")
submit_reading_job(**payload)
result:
10 h 34 min
